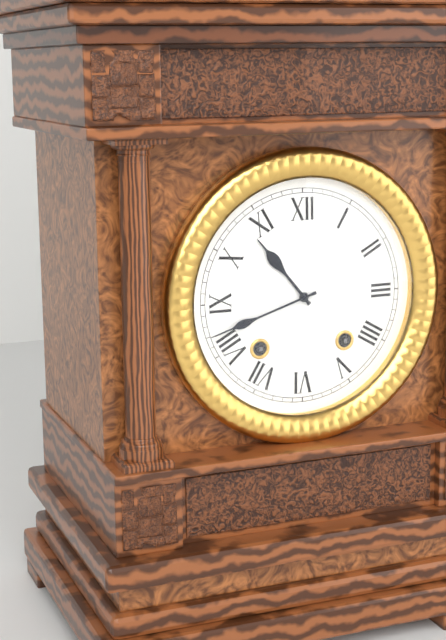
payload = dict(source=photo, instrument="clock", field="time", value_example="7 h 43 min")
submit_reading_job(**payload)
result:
10 h 42 min
